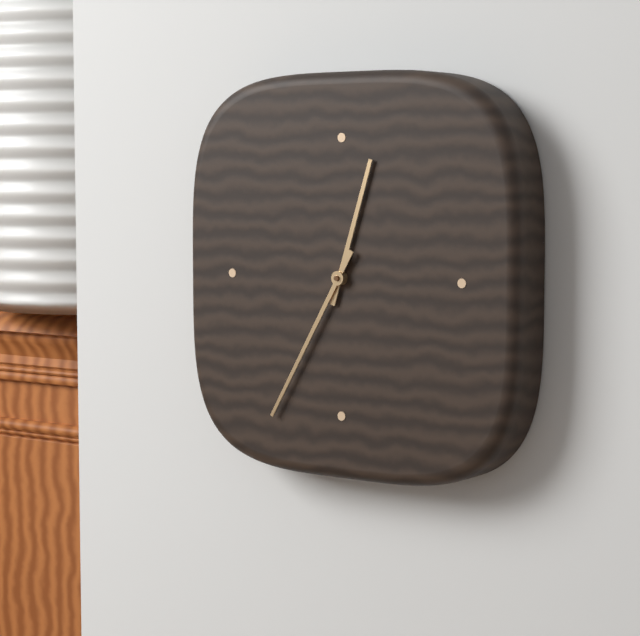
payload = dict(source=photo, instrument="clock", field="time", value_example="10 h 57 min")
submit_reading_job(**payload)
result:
12 h 35 min
